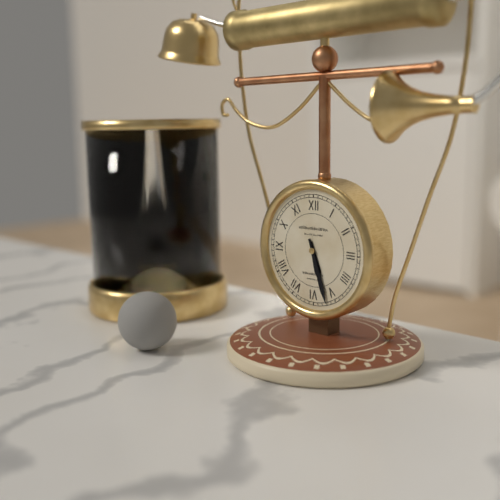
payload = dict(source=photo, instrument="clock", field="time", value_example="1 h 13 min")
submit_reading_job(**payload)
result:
5 h 27 min
